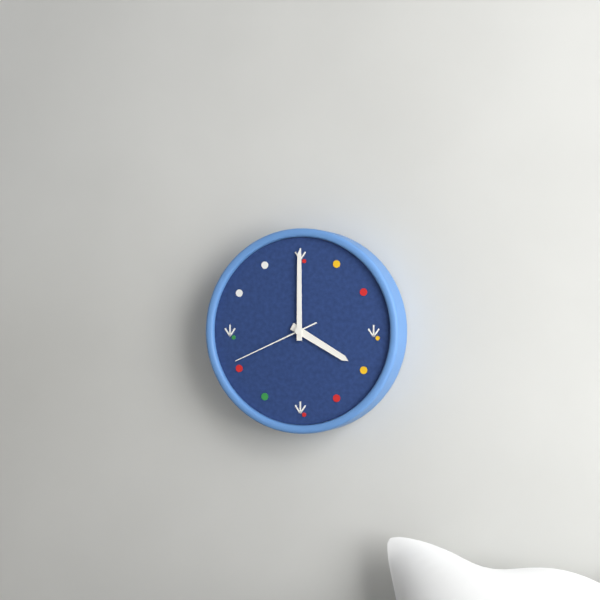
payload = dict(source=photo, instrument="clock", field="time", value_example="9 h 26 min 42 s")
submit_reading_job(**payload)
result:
4 h 00 min 41 s
